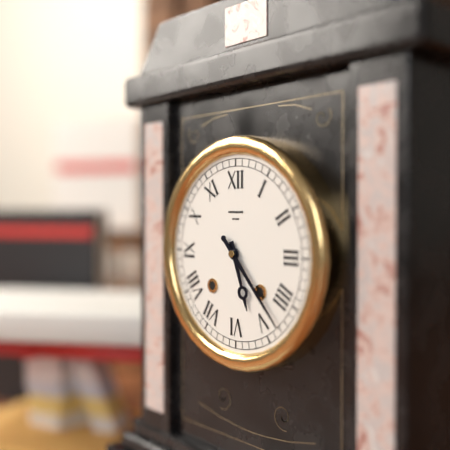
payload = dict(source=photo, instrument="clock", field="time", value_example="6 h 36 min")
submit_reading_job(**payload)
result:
5 h 23 min
